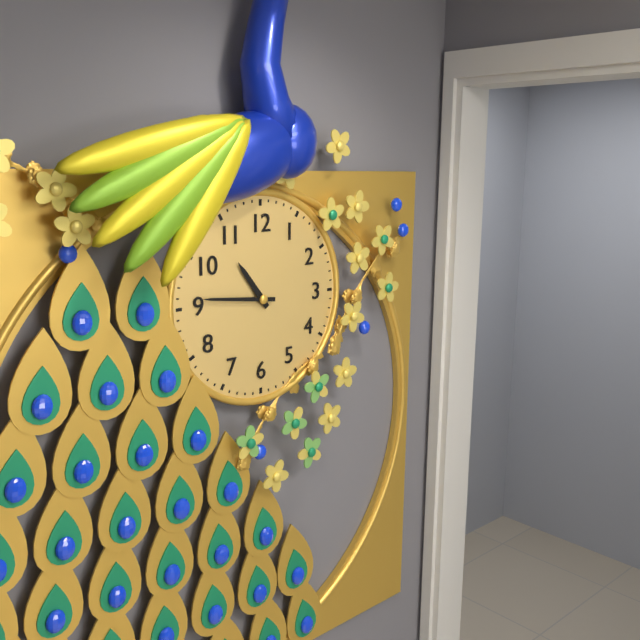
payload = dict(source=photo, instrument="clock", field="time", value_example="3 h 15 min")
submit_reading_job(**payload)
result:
10 h 46 min
